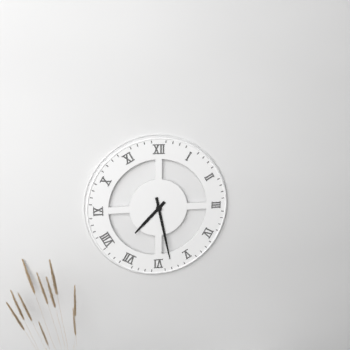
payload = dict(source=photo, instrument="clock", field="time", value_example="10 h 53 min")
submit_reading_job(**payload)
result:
7 h 28 min
